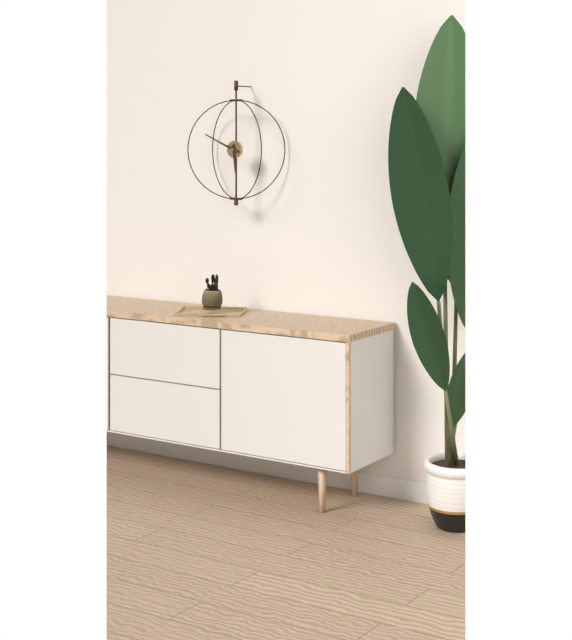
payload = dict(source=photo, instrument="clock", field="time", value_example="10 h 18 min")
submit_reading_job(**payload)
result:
5 h 49 min
